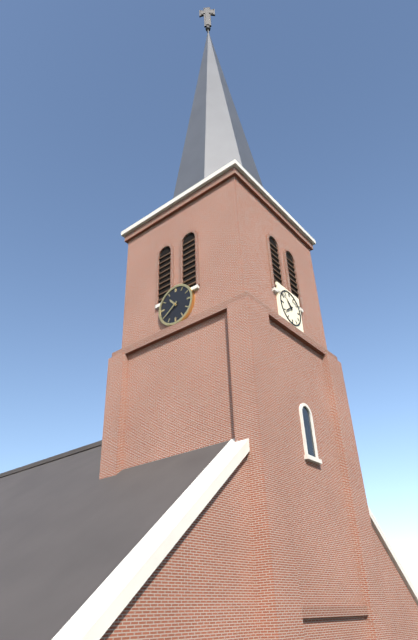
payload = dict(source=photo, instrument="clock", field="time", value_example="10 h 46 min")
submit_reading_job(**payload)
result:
10 h 39 min
